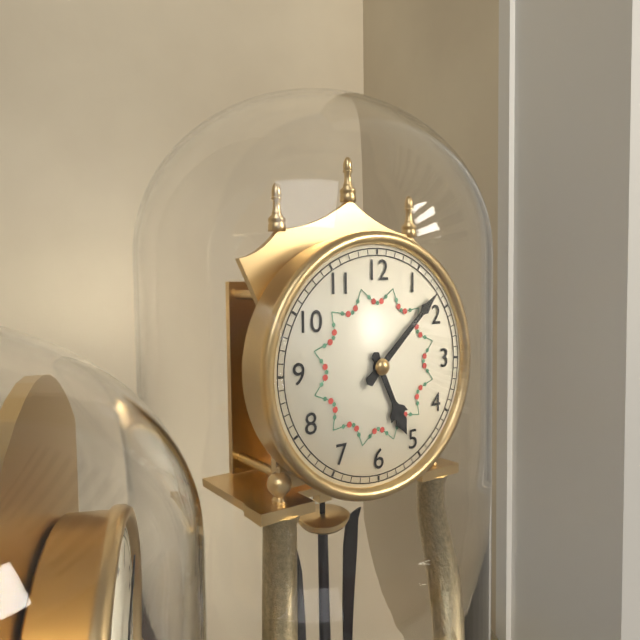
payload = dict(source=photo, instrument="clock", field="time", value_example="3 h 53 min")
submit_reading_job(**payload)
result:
5 h 08 min
